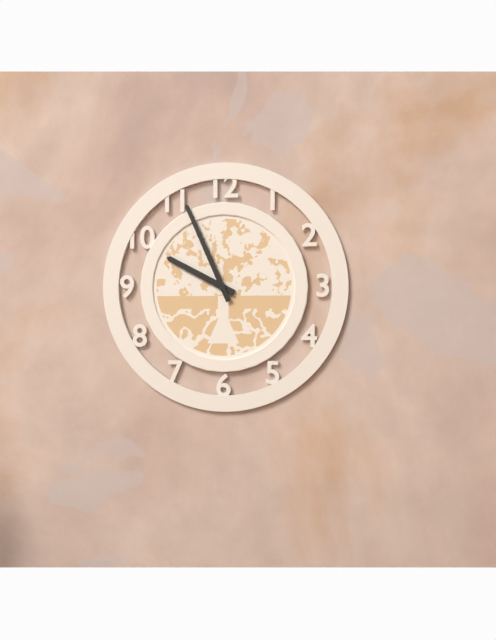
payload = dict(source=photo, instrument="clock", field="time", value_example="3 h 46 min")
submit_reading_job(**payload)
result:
9 h 56 min
